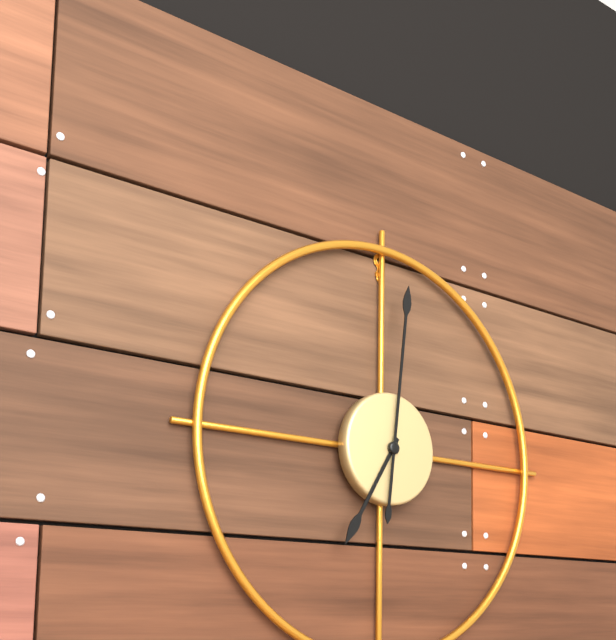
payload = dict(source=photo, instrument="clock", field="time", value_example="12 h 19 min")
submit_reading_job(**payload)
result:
7 h 01 min
